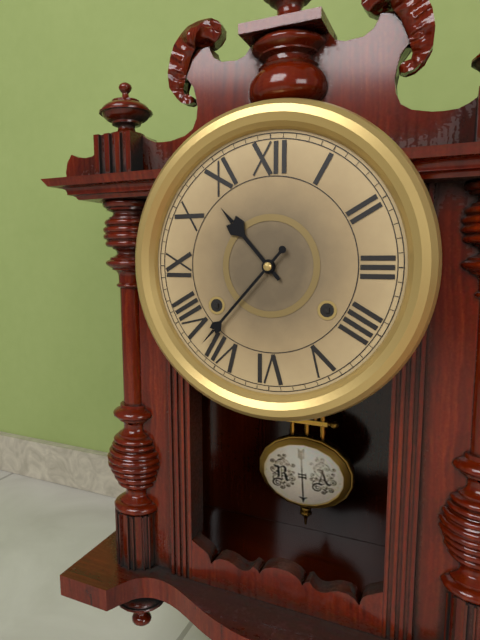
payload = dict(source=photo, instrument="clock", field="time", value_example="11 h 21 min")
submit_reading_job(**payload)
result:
10 h 37 min
